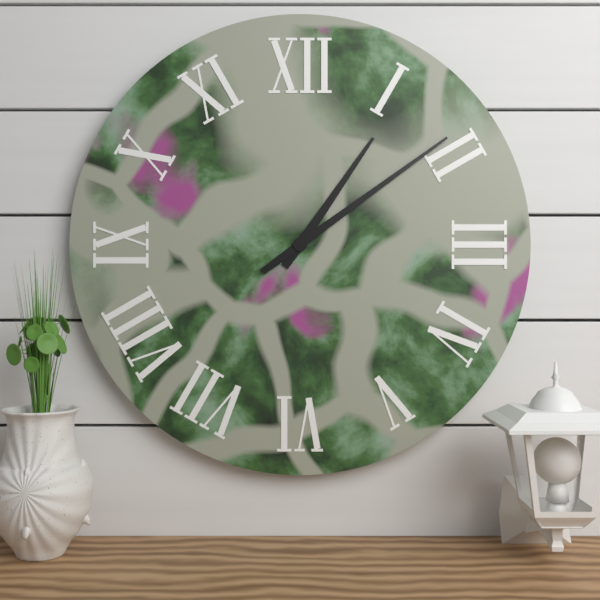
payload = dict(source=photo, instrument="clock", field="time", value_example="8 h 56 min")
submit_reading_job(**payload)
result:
1 h 09 min
